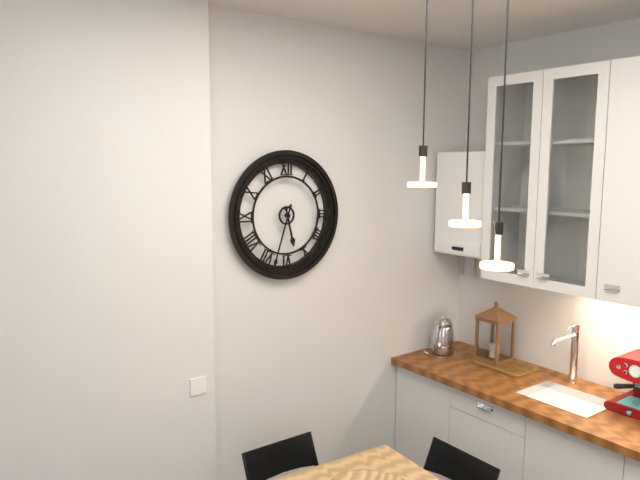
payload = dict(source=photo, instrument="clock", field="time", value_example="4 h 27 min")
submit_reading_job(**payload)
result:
5 h 33 min
